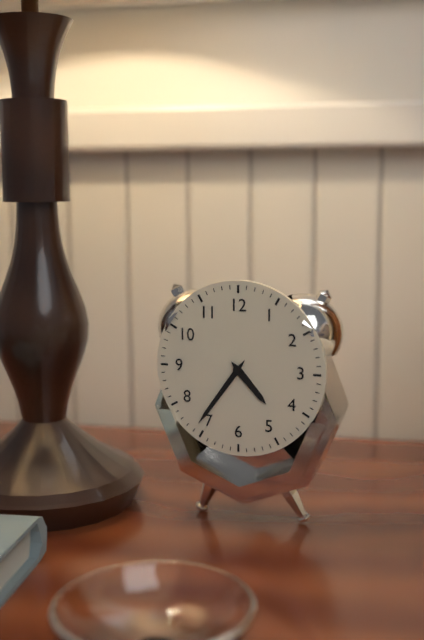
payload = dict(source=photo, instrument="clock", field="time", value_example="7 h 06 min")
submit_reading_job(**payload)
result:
4 h 36 min
